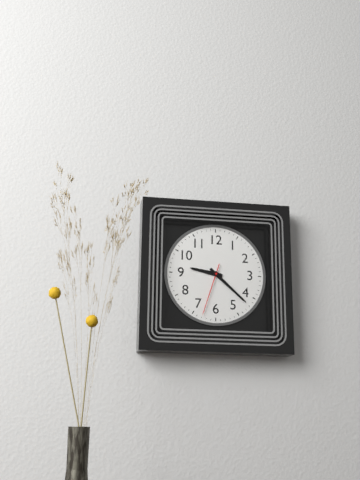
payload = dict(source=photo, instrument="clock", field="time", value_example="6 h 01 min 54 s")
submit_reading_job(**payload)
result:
9 h 22 min 33 s
